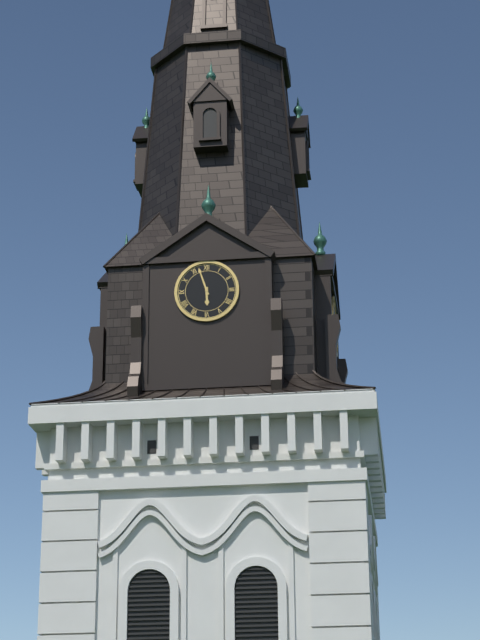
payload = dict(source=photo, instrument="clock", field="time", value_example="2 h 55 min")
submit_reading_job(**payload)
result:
5 h 57 min
